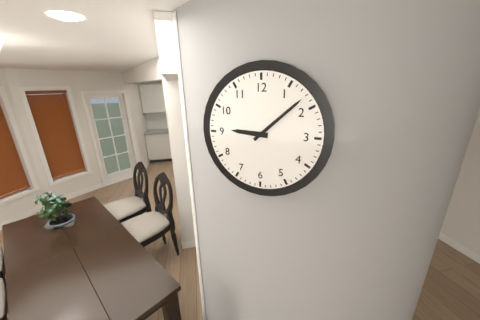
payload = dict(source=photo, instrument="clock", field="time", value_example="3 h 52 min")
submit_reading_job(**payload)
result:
9 h 08 min
